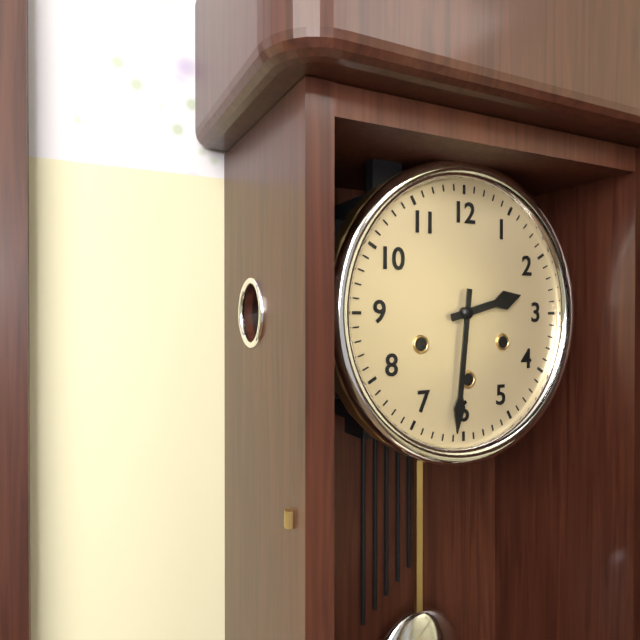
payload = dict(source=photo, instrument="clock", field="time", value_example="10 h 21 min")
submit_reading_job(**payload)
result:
2 h 31 min
